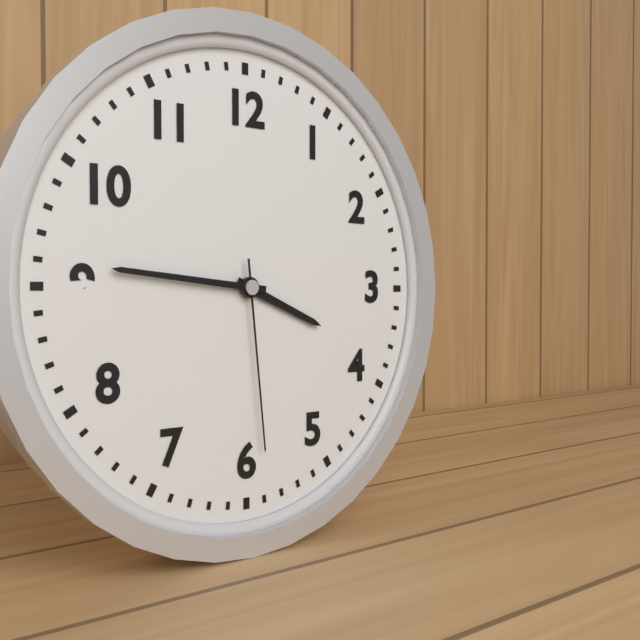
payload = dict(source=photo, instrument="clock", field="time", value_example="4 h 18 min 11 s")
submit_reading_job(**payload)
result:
3 h 46 min 29 s
